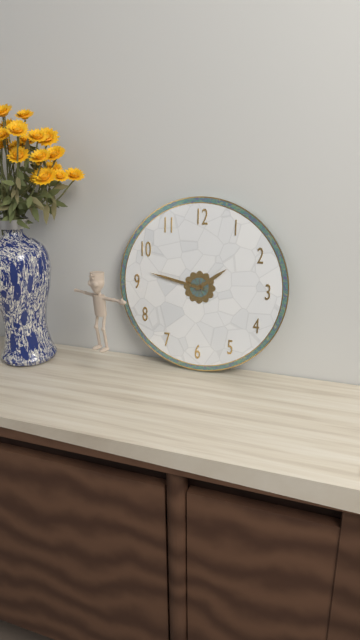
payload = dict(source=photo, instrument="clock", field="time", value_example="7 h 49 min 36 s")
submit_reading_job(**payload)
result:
1 h 47 min 47 s
